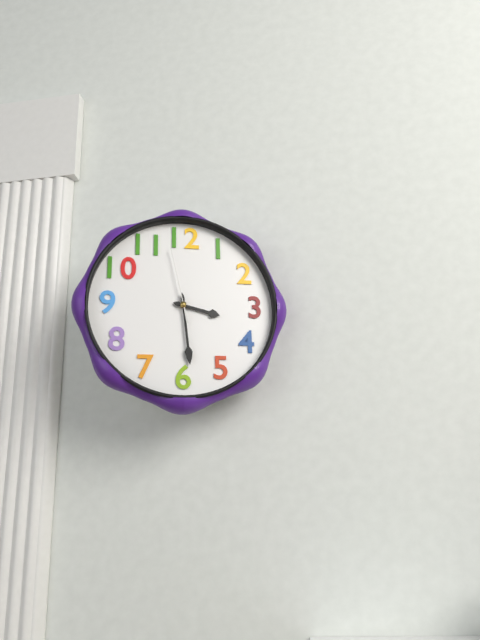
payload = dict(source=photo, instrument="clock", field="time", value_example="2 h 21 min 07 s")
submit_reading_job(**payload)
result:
3 h 29 min 58 s
